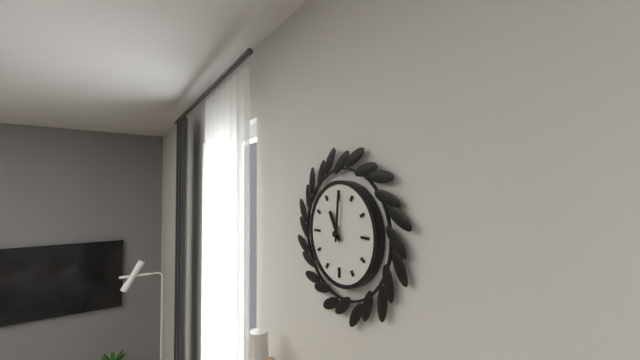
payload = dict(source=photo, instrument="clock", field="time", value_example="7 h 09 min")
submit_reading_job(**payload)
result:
11 h 01 min
